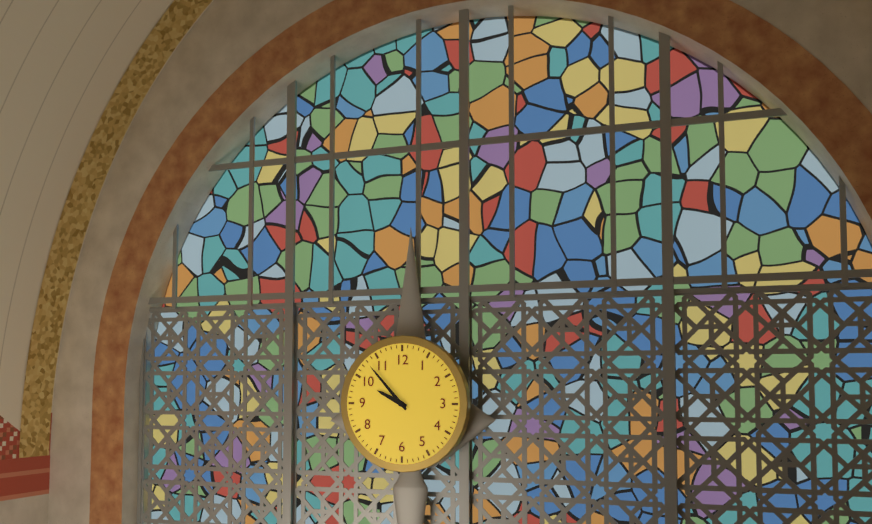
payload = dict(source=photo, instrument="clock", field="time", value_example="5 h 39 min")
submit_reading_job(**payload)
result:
9 h 53 min
